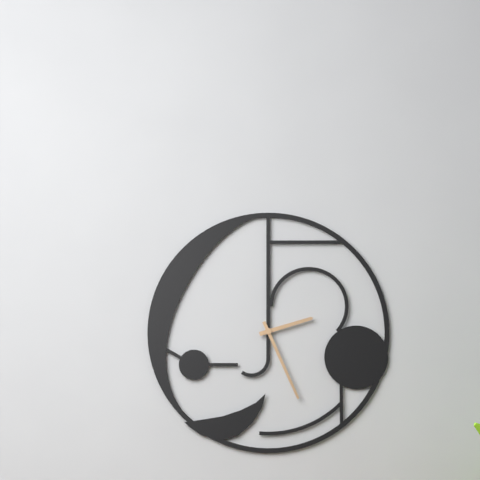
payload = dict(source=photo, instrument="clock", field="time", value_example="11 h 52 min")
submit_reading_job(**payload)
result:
2 h 26 min
